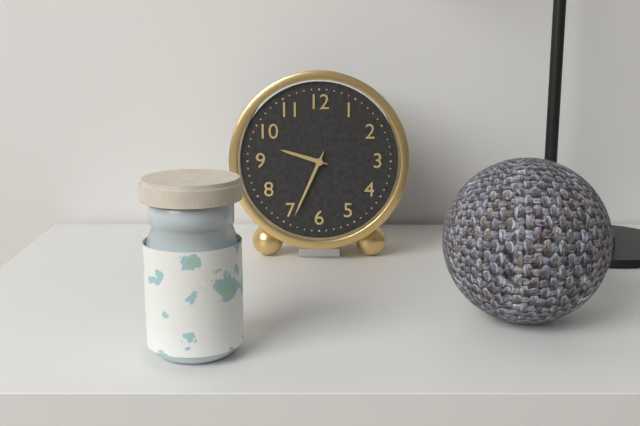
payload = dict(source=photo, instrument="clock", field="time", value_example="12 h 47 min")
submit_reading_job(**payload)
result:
9 h 34 min
